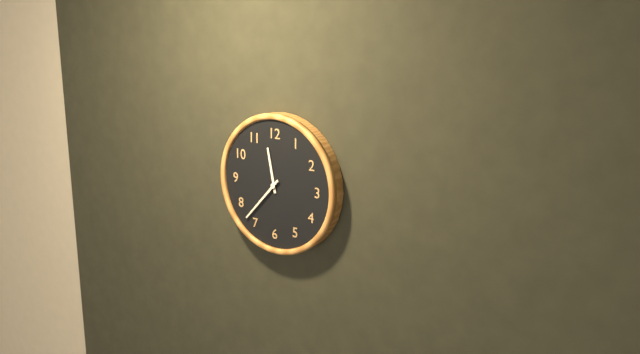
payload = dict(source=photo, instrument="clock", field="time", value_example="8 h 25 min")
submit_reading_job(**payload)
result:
11 h 37 min
